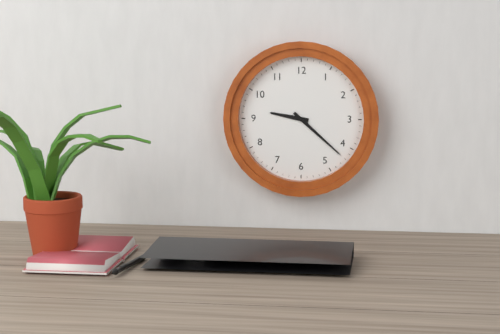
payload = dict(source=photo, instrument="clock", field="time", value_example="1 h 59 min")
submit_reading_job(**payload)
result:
9 h 22 min
